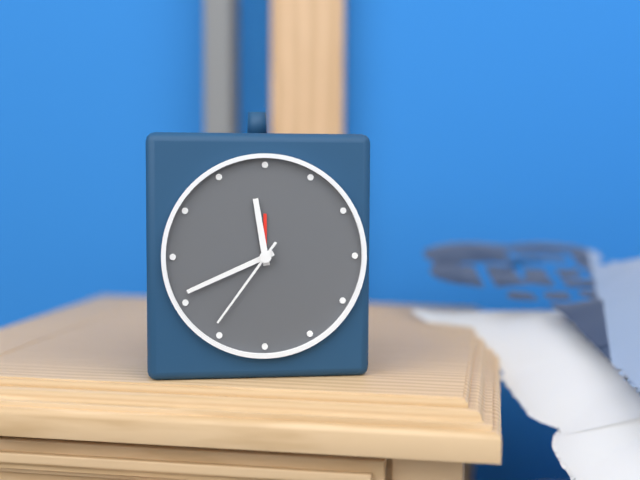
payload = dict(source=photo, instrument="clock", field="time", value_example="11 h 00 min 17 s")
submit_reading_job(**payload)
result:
11 h 41 min 36 s
